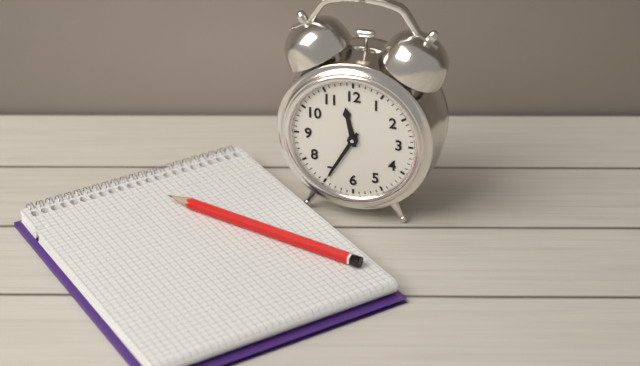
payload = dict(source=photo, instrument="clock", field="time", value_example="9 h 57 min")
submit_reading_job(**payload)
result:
11 h 35 min
